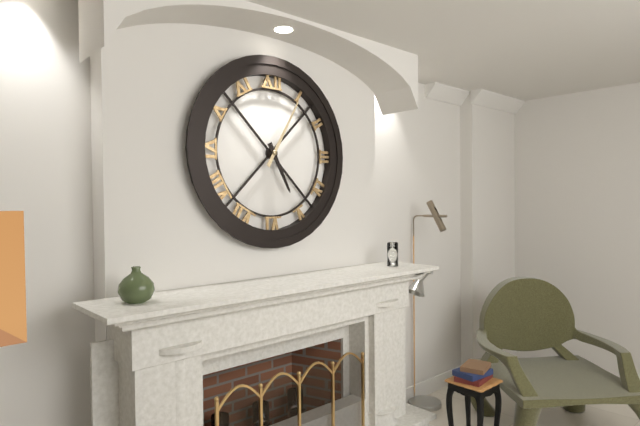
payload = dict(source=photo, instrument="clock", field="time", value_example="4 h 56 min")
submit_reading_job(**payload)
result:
5 h 05 min
